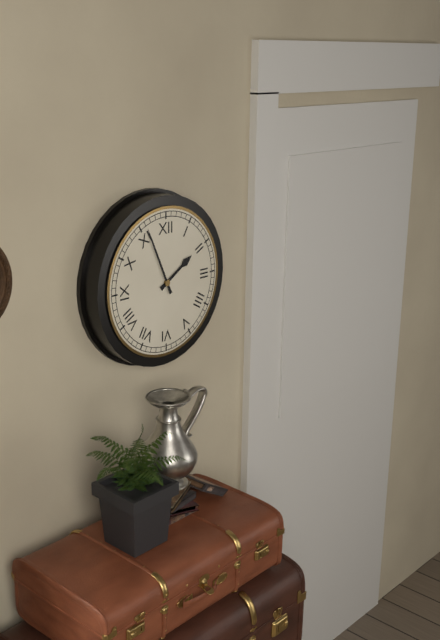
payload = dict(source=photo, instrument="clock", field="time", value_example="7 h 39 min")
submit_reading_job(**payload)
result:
1 h 56 min
